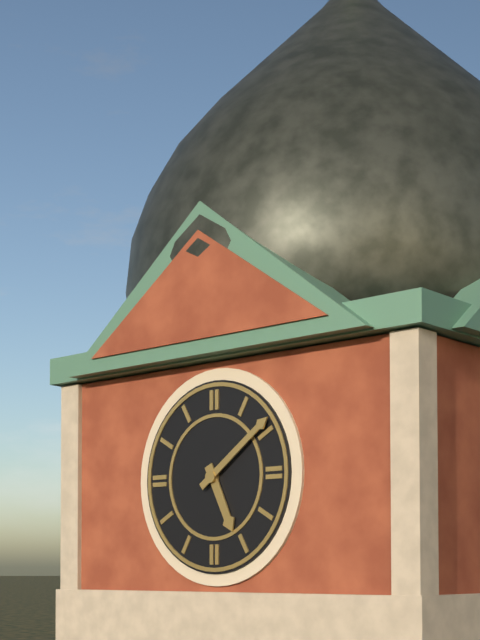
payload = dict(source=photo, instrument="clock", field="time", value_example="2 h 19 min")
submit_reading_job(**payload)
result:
5 h 09 min
